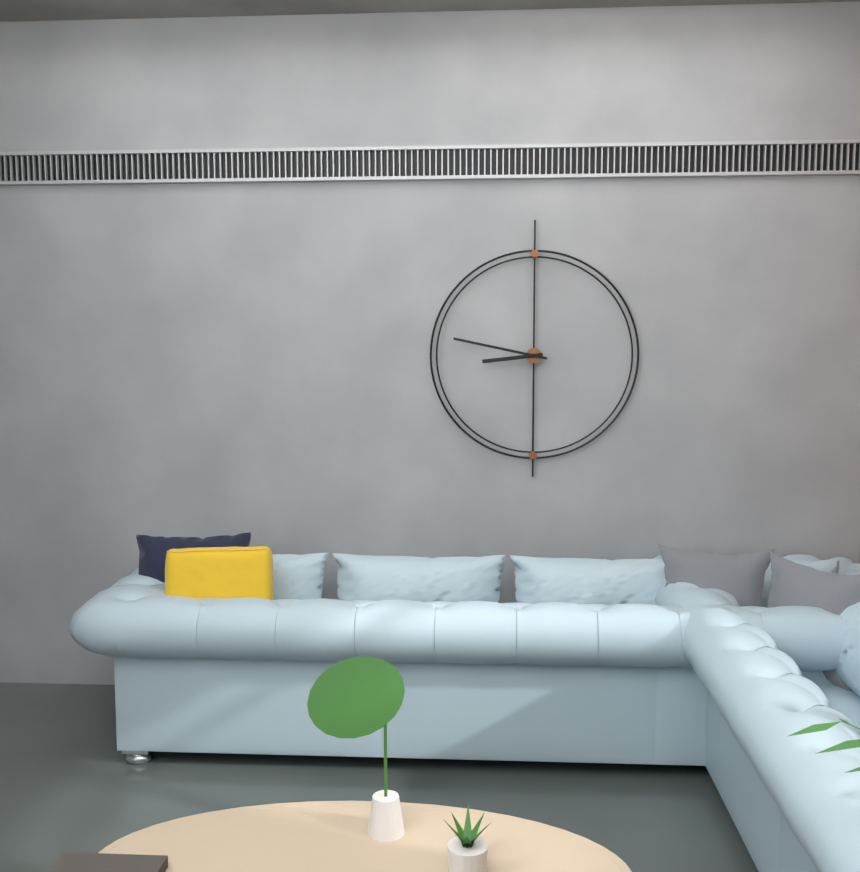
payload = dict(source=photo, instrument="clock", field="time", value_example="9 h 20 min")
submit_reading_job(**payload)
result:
8 h 47 min
